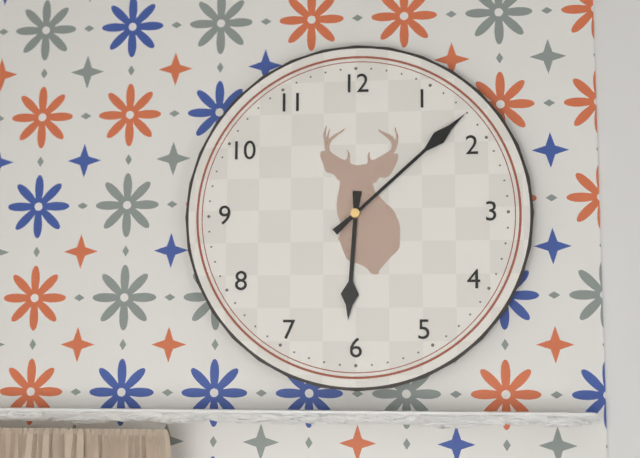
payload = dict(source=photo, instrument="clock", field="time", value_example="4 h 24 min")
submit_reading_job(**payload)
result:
6 h 08 min
